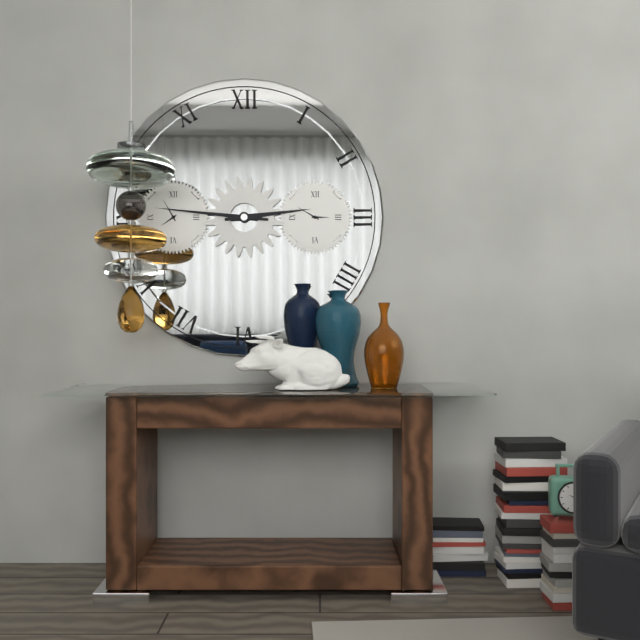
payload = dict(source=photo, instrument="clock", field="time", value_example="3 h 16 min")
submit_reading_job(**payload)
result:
2 h 46 min
